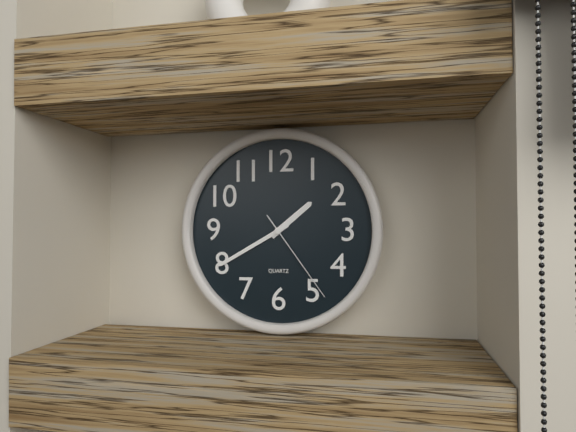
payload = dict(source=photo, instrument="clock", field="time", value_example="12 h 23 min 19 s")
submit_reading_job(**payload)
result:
1 h 40 min 24 s
